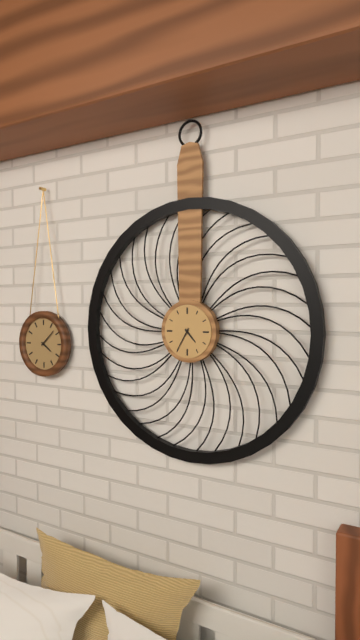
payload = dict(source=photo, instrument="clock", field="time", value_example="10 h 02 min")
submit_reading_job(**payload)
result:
4 h 35 min
